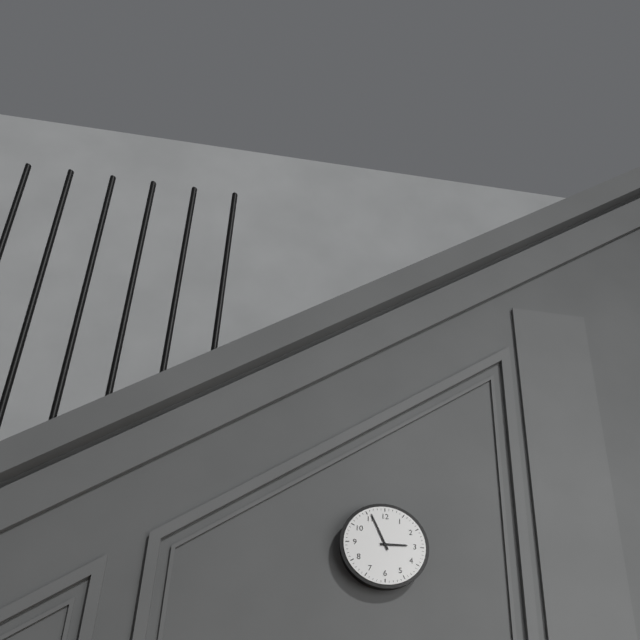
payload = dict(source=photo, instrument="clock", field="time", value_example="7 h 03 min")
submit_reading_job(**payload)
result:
2 h 56 min
